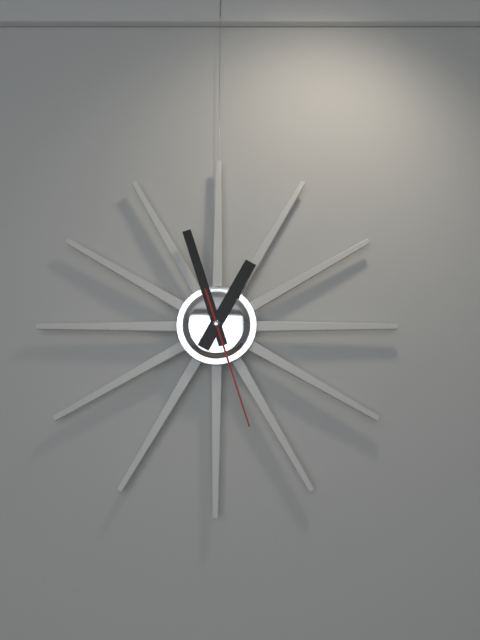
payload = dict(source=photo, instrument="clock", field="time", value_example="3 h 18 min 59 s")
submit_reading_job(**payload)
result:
12 h 57 min 27 s
